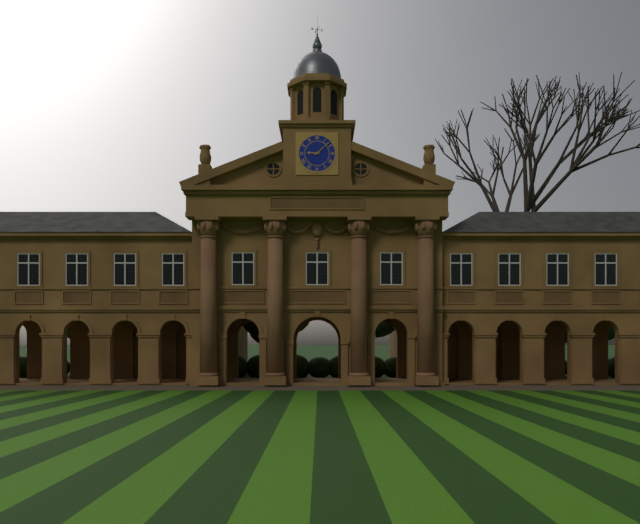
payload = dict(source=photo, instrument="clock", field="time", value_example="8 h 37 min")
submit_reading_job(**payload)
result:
9 h 08 min
